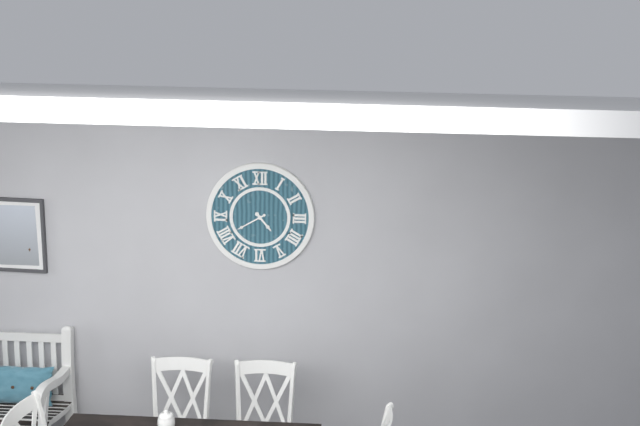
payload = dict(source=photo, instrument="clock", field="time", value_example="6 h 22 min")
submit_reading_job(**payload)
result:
4 h 40 min
